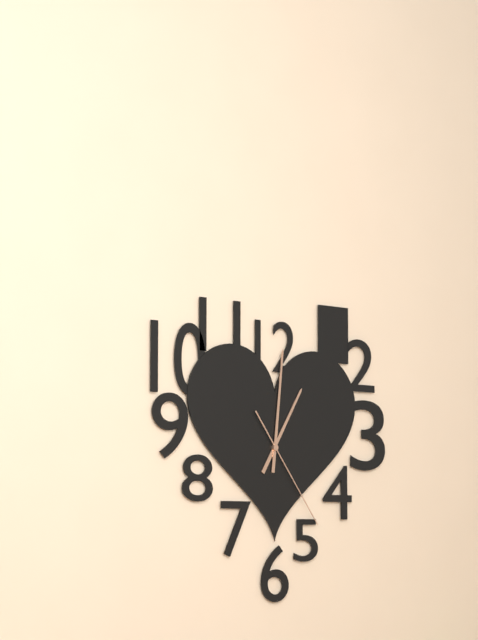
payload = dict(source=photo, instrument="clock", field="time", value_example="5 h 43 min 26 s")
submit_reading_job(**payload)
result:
1 h 01 min 24 s
